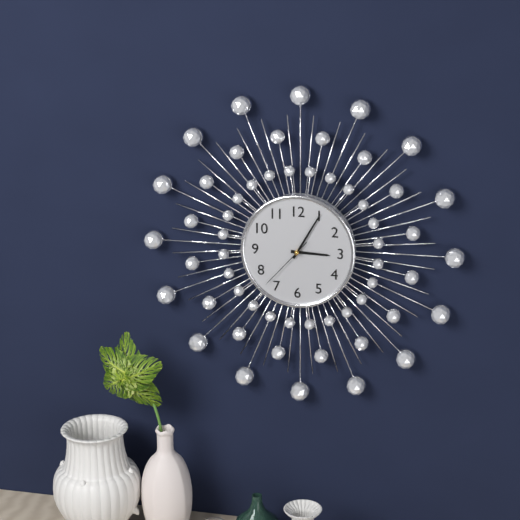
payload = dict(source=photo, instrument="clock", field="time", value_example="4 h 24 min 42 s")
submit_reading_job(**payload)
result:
3 h 05 min 37 s
